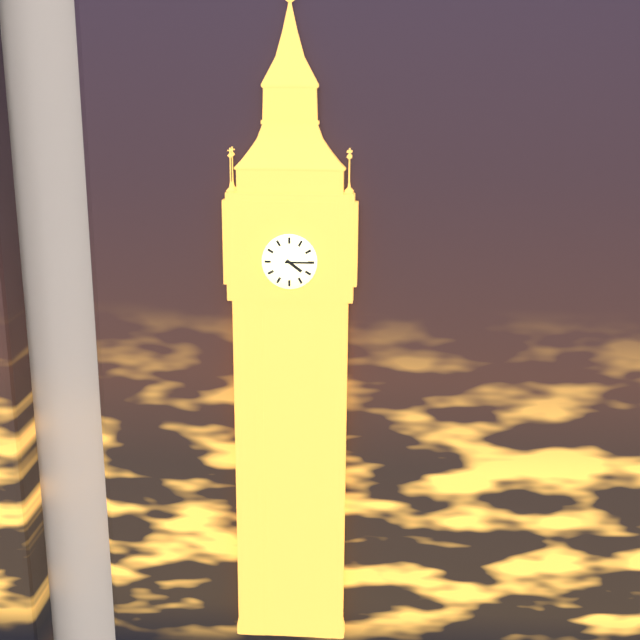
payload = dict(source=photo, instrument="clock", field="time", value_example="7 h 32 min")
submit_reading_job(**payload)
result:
4 h 15 min
